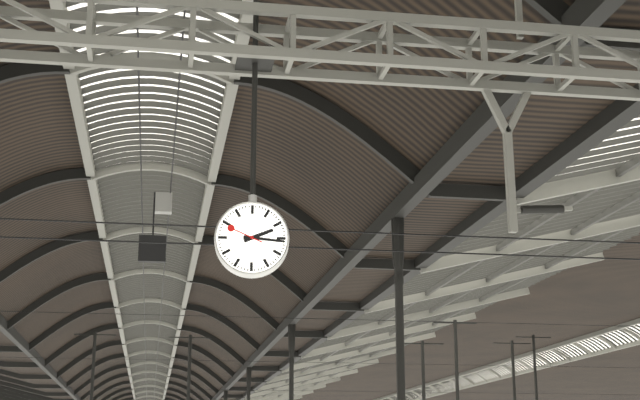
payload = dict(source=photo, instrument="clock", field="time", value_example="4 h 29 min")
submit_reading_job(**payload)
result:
2 h 16 min
